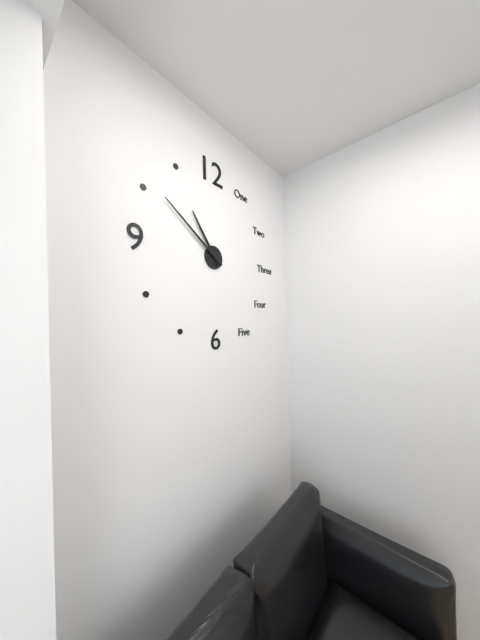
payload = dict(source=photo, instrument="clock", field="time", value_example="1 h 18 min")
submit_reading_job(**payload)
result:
10 h 51 min
